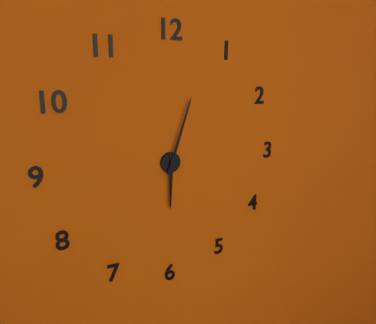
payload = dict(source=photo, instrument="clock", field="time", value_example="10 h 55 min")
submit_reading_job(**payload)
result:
6 h 03 min
